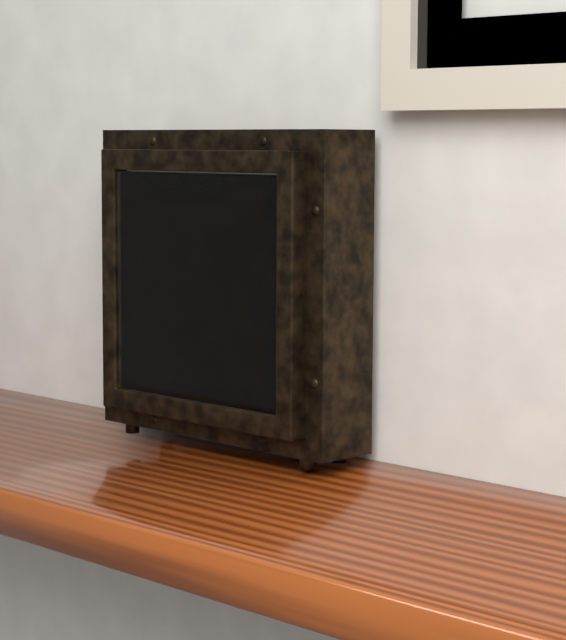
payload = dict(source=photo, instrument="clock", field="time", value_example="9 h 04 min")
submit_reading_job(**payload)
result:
3 h 27 min
